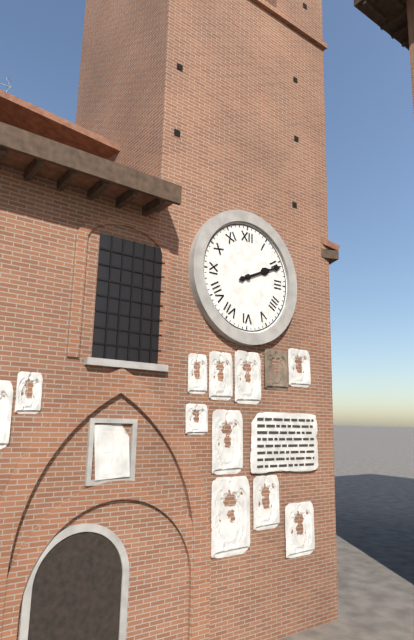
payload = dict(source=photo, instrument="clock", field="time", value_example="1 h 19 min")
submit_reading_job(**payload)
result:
2 h 11 min
